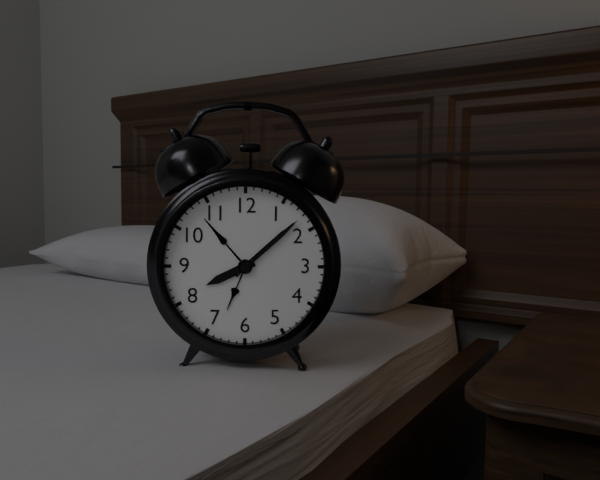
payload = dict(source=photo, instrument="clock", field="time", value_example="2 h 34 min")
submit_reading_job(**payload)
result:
8 h 08 min
